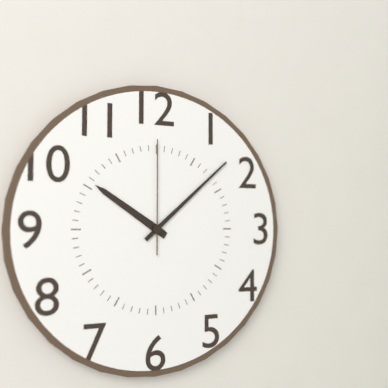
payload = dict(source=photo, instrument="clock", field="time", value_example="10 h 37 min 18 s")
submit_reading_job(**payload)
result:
10 h 08 min 00 s
